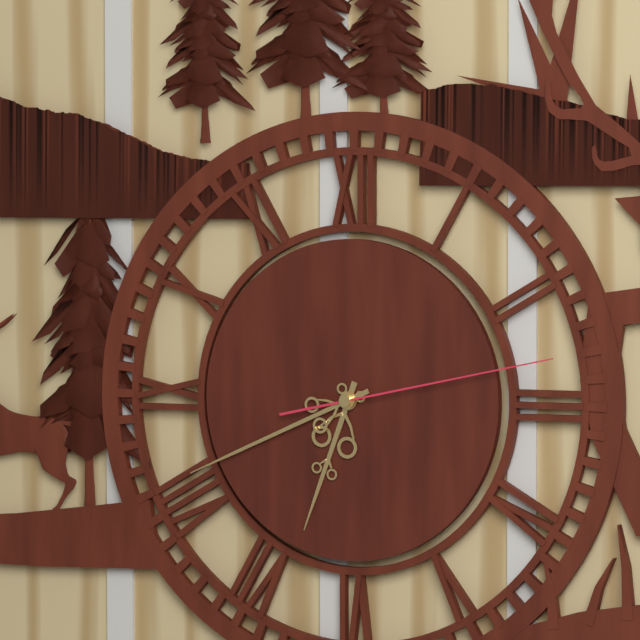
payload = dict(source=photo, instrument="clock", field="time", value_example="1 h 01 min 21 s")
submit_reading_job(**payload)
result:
6 h 41 min 13 s
